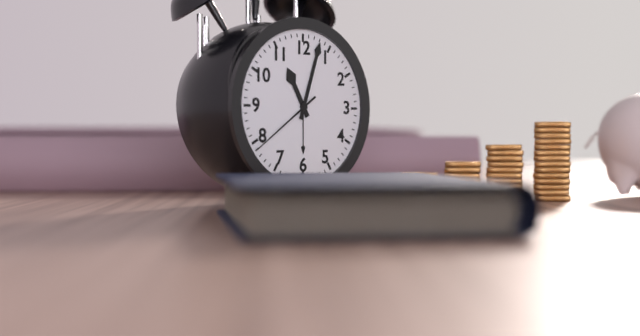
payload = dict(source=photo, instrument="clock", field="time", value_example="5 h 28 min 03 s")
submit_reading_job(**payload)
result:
11 h 03 min 39 s
